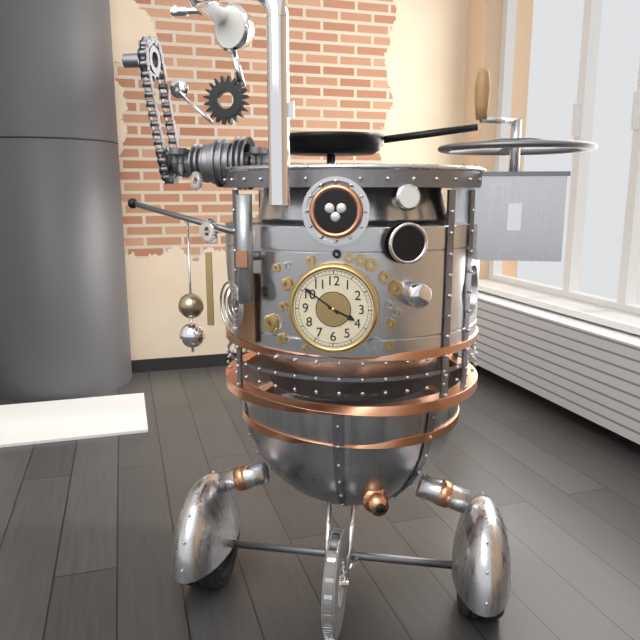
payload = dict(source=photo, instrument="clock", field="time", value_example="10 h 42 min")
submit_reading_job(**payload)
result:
3 h 51 min
